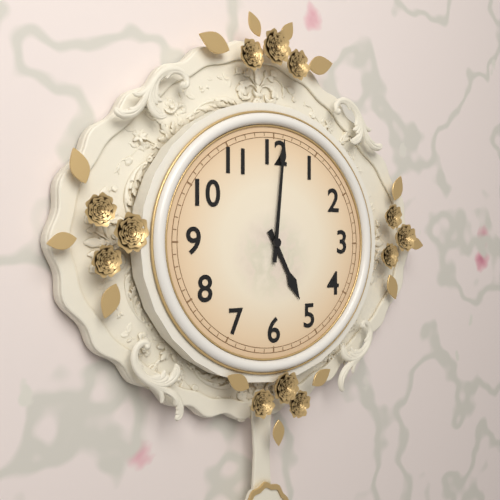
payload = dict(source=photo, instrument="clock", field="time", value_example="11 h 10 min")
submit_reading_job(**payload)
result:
5 h 01 min
